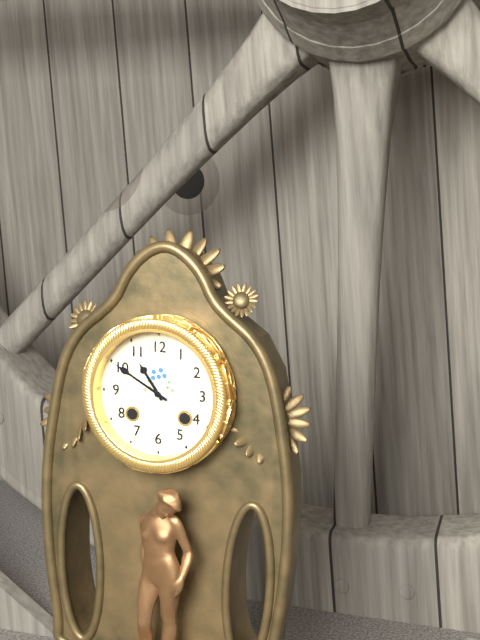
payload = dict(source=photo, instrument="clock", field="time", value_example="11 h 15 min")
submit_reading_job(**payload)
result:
10 h 50 min
